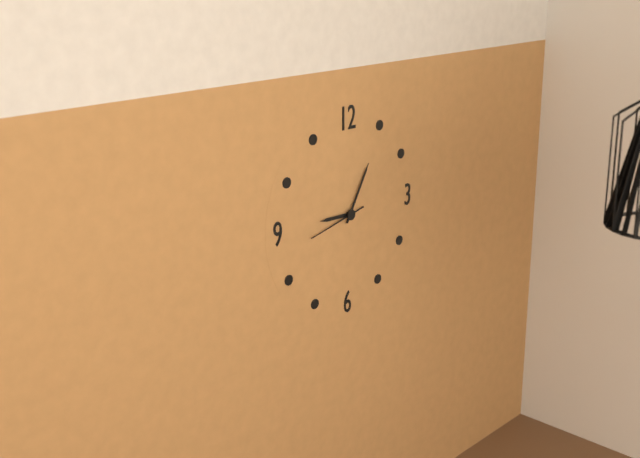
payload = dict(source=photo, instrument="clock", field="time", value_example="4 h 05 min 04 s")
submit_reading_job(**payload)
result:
9 h 05 min 43 s
